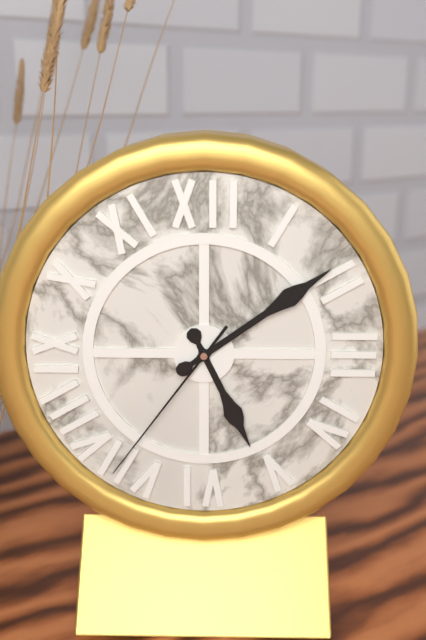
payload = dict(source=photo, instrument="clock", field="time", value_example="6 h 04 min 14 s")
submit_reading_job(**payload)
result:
5 h 09 min 36 s
